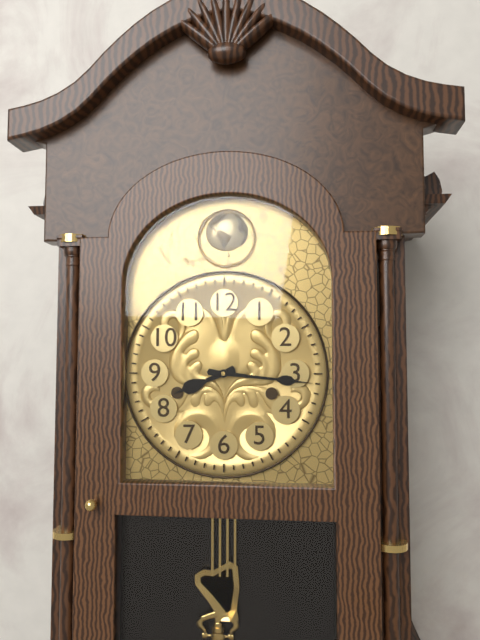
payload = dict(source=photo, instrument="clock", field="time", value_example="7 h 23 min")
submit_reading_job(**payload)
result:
8 h 16 min
